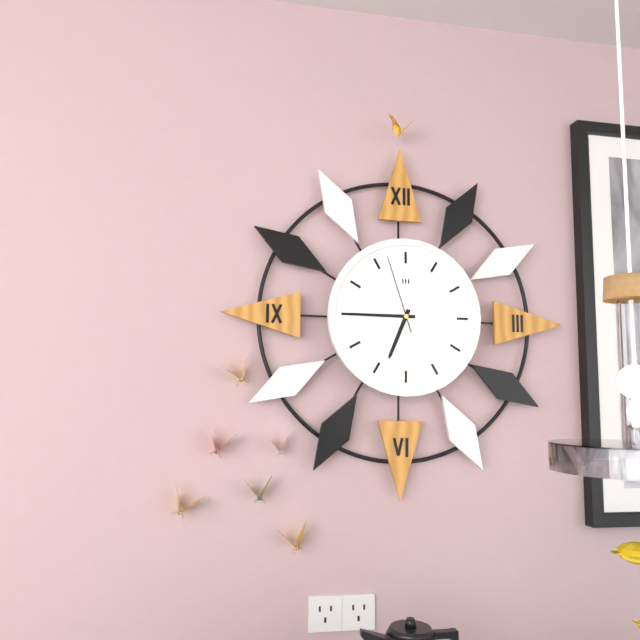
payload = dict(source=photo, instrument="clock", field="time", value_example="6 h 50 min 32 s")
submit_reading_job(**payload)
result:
6 h 45 min 57 s
